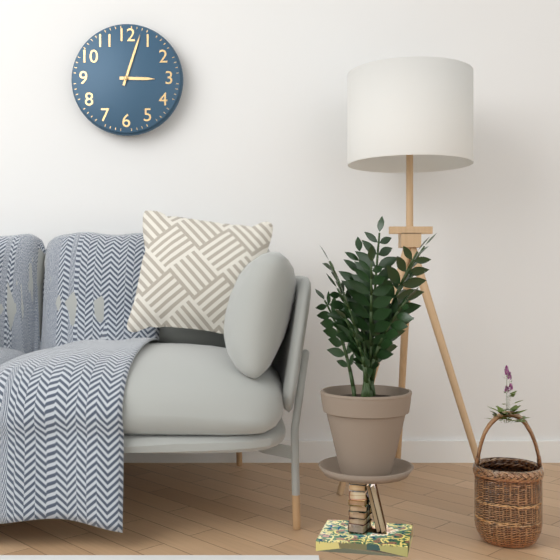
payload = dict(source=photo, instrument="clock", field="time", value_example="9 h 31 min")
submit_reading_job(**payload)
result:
3 h 03 min
